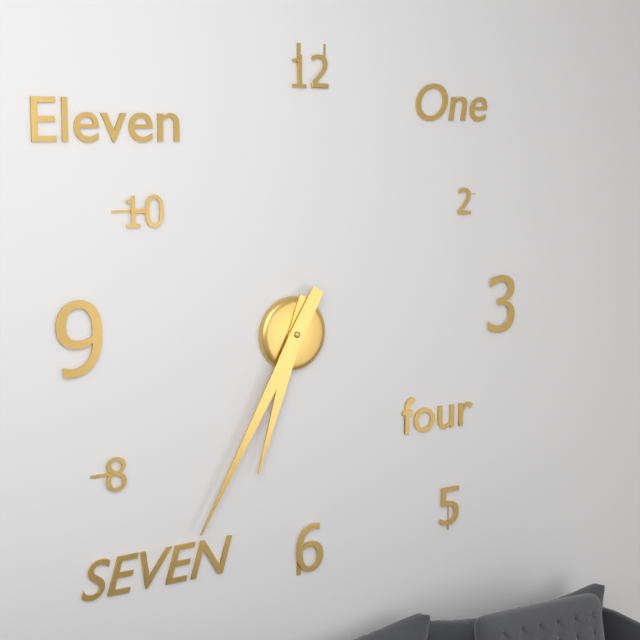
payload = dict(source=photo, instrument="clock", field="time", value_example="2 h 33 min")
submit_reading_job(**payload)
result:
6 h 35 min
